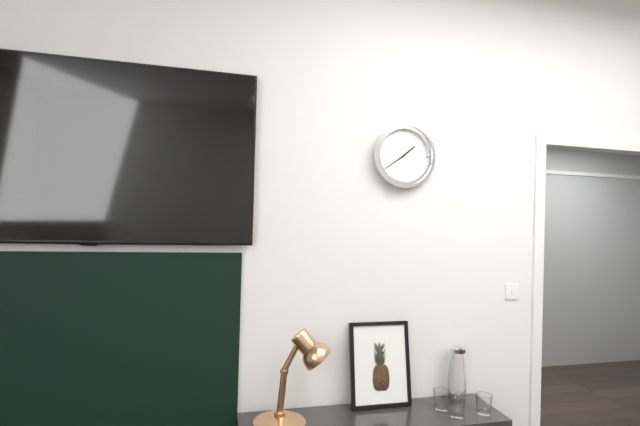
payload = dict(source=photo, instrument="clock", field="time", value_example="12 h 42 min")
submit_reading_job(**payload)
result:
1 h 39 min
